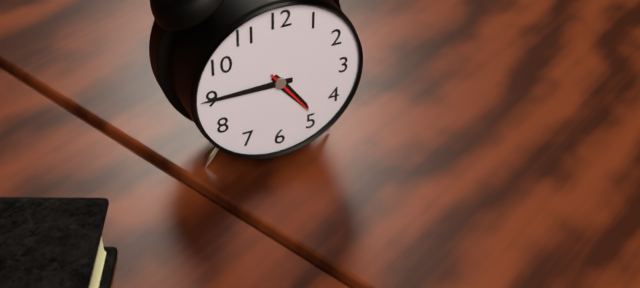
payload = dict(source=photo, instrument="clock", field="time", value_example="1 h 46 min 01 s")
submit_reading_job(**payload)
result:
4 h 45 min 24 s
